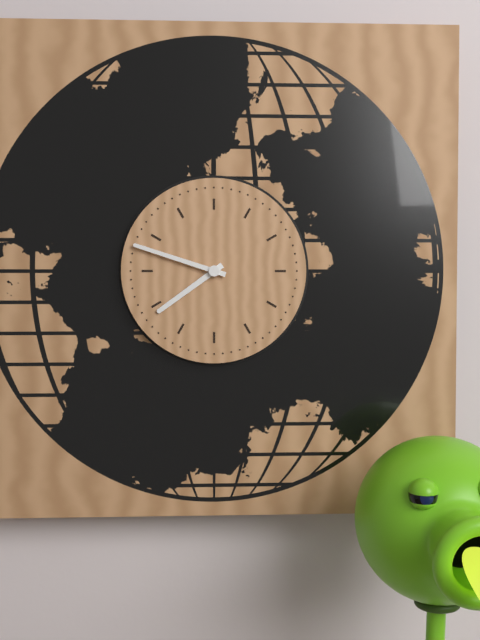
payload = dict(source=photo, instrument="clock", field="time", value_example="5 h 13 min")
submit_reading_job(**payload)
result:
7 h 48 min
